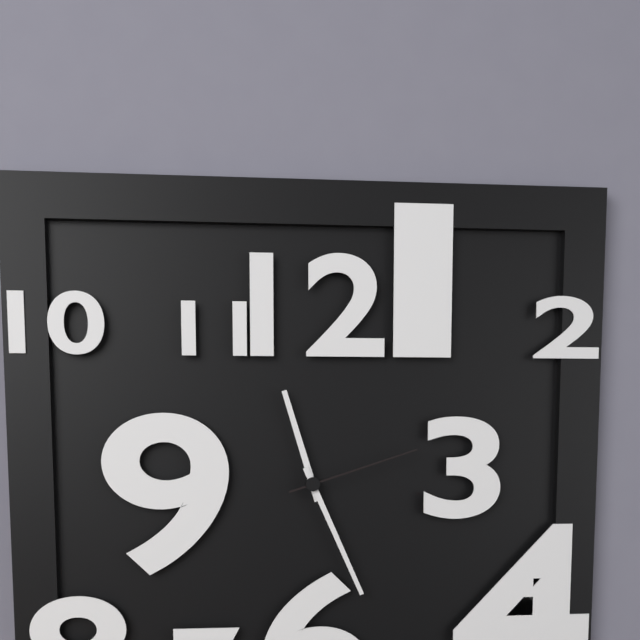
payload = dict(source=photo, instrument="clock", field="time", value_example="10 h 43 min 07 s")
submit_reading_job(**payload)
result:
11 h 26 min 12 s
